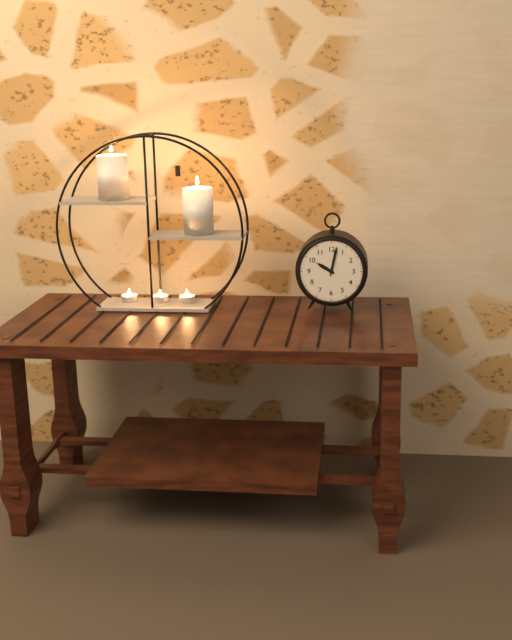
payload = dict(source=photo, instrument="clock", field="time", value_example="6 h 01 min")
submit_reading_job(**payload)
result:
10 h 02 min
